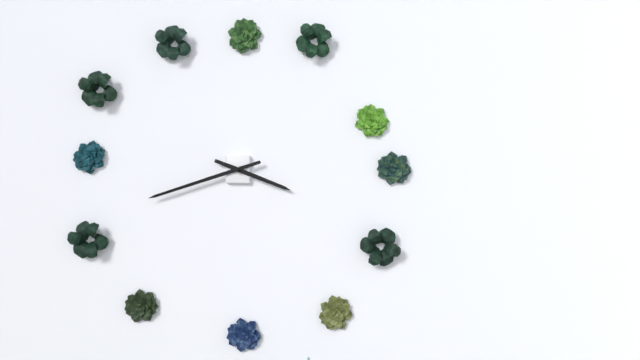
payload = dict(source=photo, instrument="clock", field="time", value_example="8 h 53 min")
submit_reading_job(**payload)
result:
3 h 42 min
